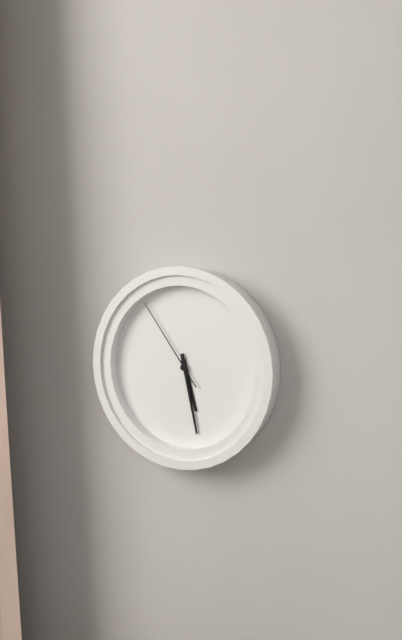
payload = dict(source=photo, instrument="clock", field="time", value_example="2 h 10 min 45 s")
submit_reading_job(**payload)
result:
5 h 28 min 54 s
